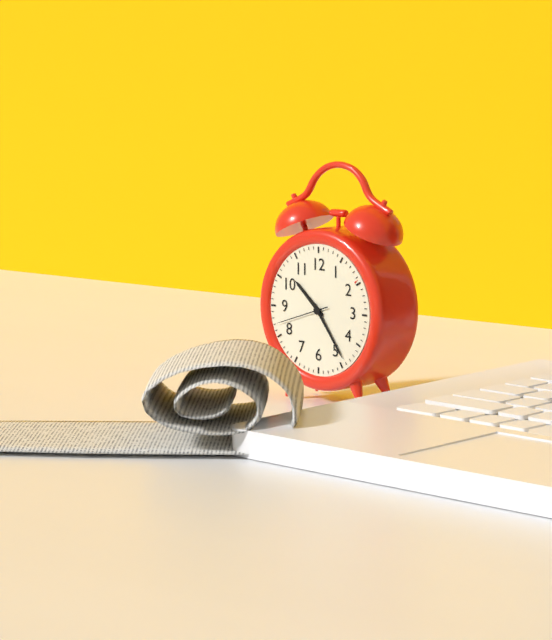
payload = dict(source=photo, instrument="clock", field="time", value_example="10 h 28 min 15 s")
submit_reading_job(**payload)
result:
10 h 24 min 42 s
